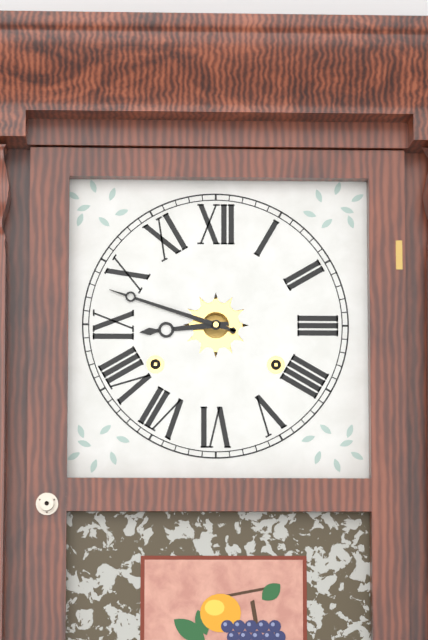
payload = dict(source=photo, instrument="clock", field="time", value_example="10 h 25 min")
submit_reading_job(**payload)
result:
8 h 48 min
